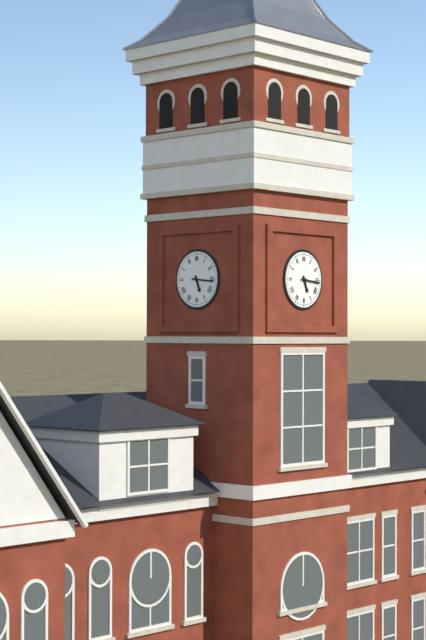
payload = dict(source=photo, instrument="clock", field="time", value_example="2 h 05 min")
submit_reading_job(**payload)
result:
5 h 16 min
